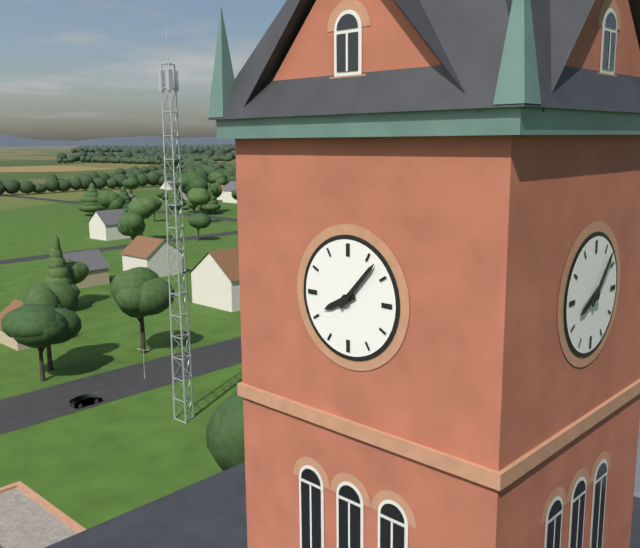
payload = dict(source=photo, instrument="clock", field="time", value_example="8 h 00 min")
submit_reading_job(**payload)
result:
8 h 07 min
